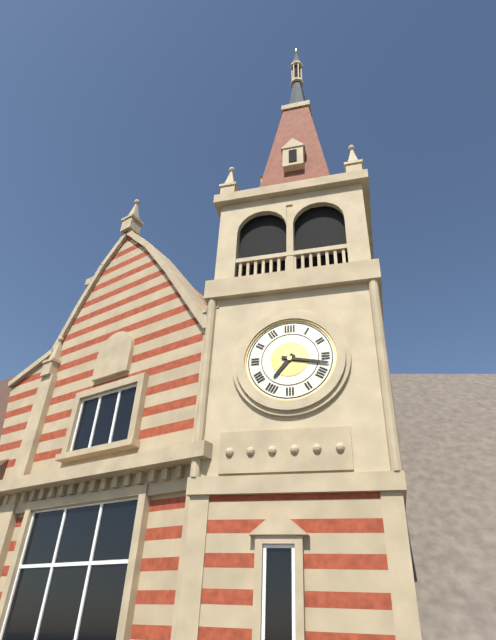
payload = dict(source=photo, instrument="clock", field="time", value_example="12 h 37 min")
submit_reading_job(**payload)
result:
7 h 17 min
